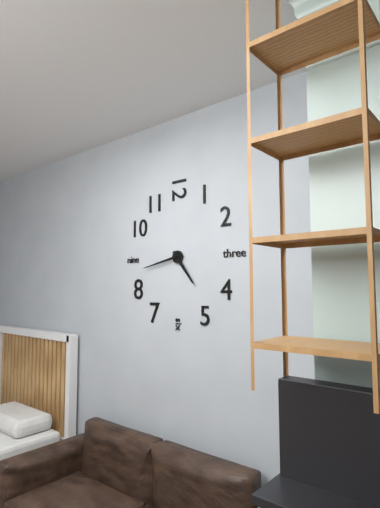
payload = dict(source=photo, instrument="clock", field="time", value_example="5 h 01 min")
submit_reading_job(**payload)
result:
4 h 43 min
